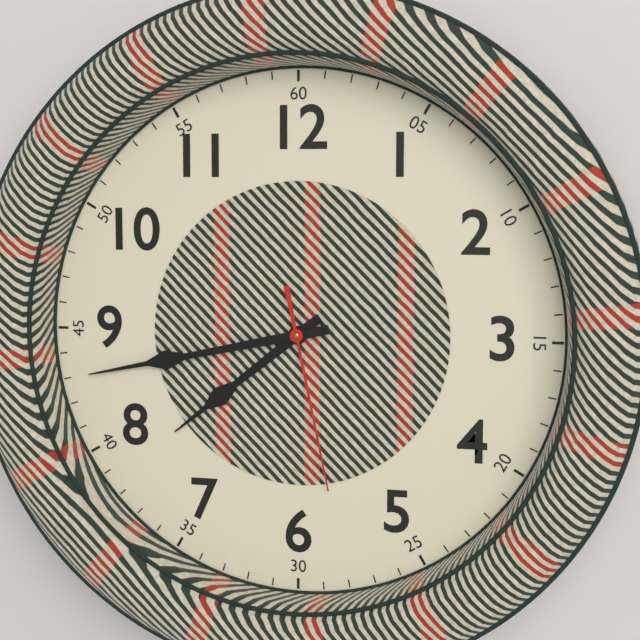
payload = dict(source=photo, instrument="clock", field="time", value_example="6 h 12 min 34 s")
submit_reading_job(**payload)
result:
7 h 43 min 28 s
